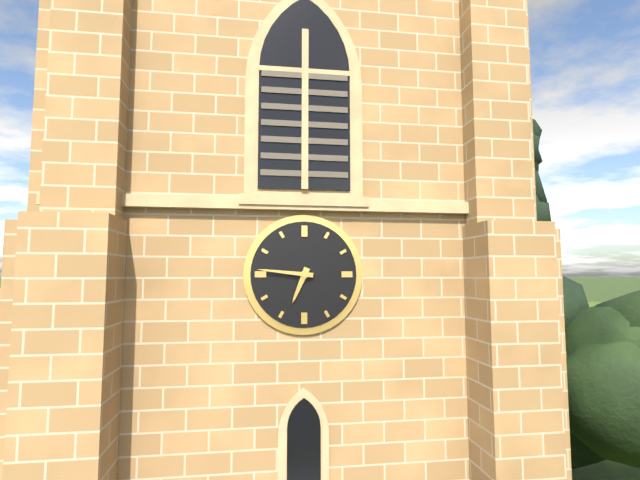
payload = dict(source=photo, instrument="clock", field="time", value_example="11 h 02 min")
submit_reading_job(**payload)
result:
6 h 46 min
